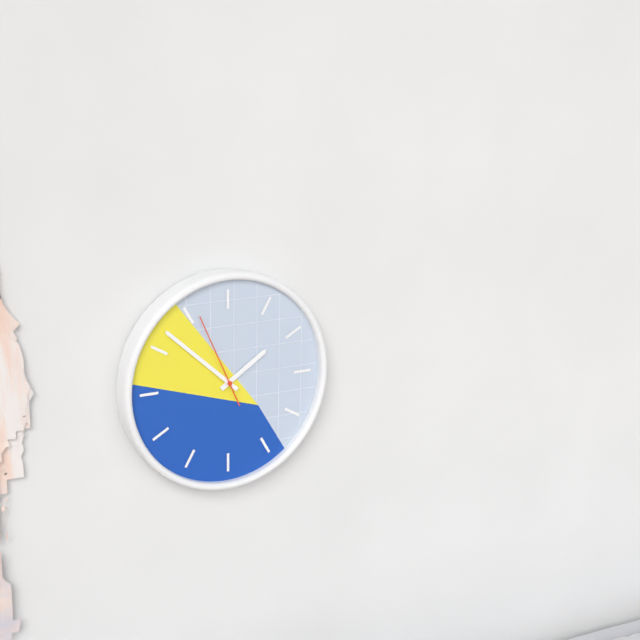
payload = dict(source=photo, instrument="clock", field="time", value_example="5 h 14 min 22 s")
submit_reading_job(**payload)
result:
1 h 52 min 56 s
